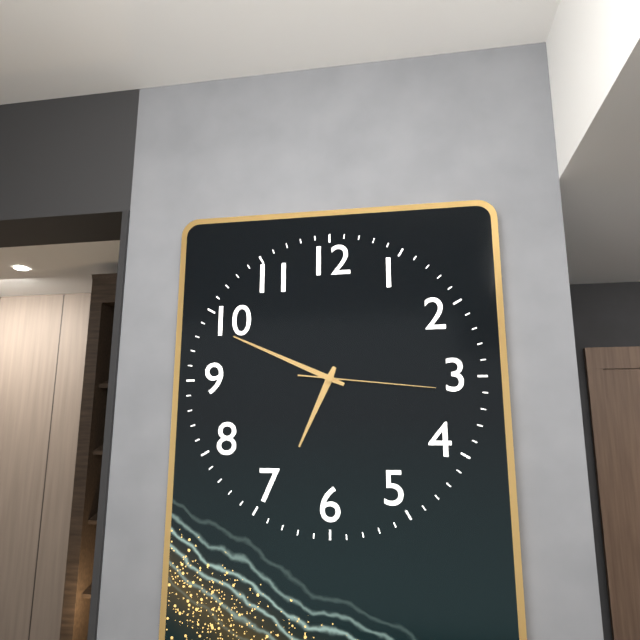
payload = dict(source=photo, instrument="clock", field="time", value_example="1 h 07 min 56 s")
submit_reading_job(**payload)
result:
6 h 49 min 16 s
